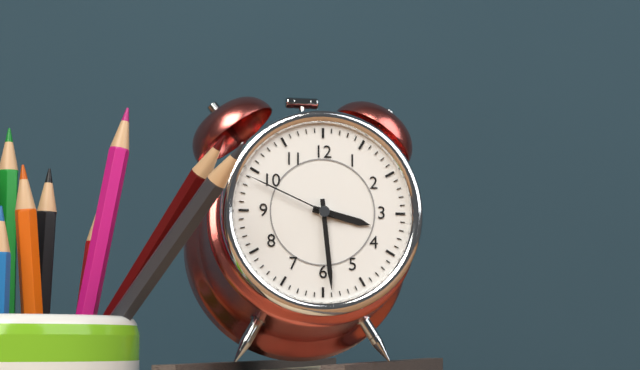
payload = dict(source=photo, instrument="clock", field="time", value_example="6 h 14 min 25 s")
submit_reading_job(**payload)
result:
3 h 29 min 49 s
